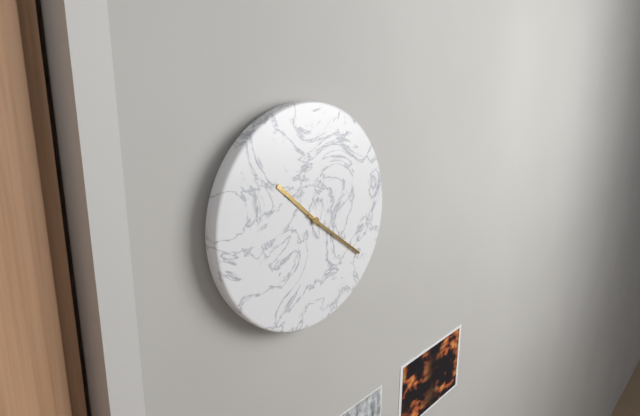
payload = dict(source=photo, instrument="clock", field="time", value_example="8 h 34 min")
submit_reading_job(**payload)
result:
10 h 21 min
